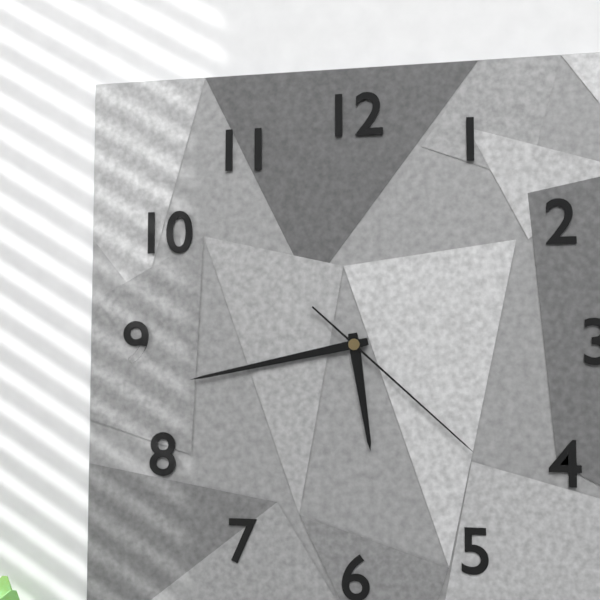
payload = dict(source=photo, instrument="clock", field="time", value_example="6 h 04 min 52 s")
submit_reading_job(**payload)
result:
5 h 43 min 22 s
